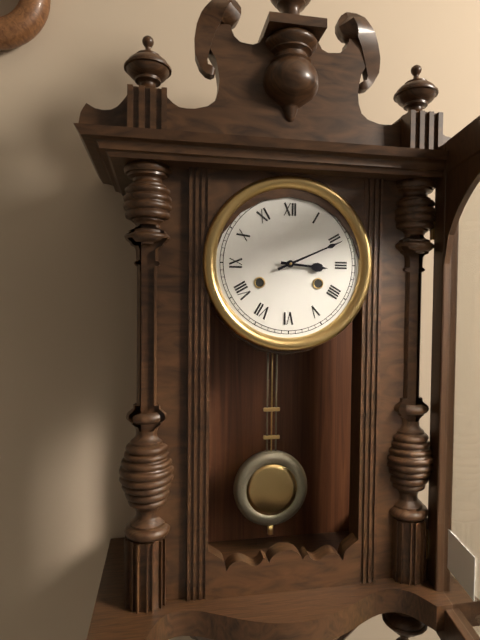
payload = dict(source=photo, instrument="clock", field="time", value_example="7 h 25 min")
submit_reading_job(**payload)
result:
3 h 11 min
